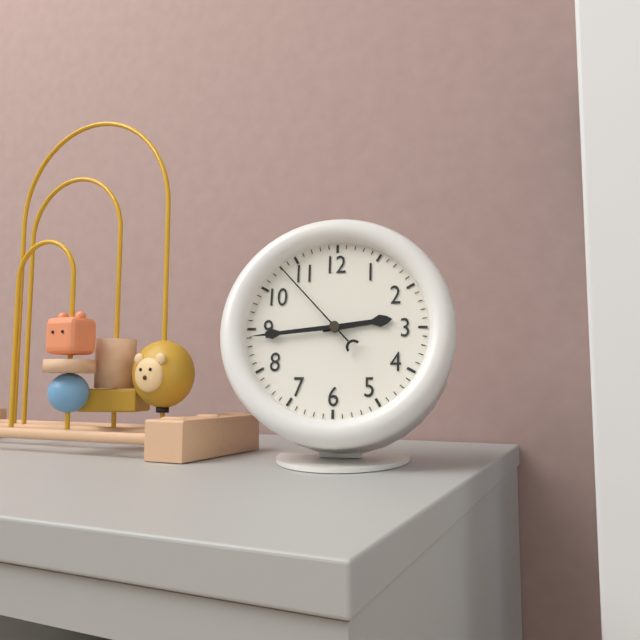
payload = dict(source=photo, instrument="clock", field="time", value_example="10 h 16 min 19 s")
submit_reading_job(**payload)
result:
2 h 44 min 53 s
